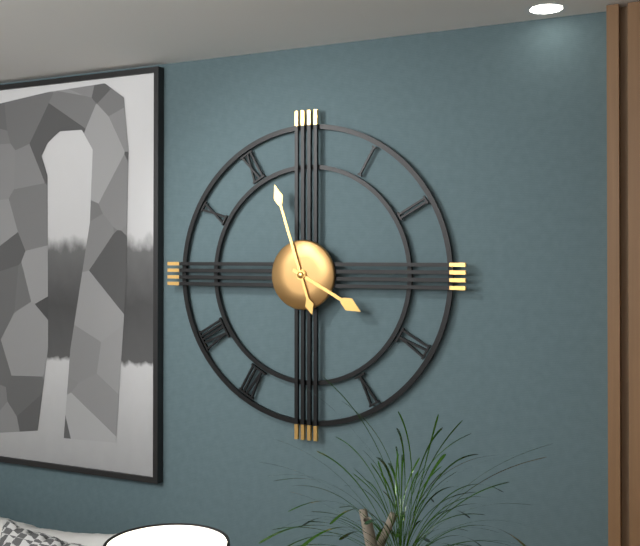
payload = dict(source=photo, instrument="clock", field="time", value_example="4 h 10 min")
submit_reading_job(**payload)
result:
3 h 57 min
